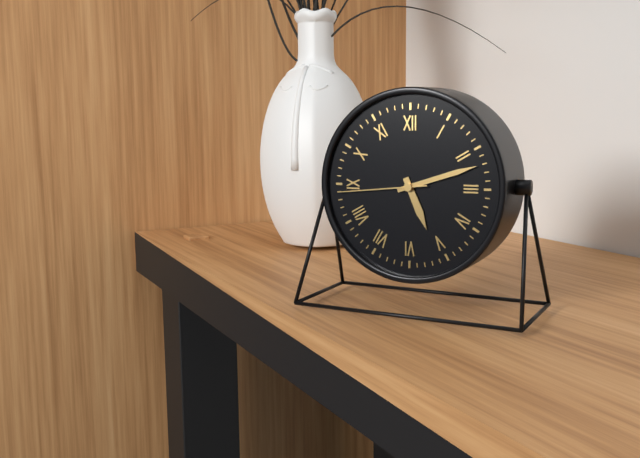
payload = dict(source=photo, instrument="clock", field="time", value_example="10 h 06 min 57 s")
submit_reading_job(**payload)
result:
5 h 12 min 44 s
